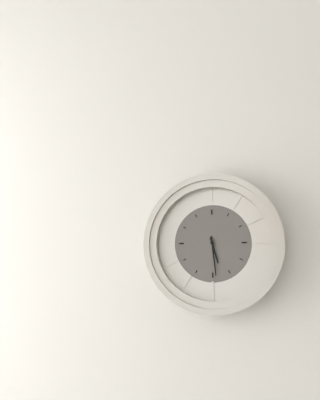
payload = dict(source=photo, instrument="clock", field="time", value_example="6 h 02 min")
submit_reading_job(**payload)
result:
5 h 29 min
